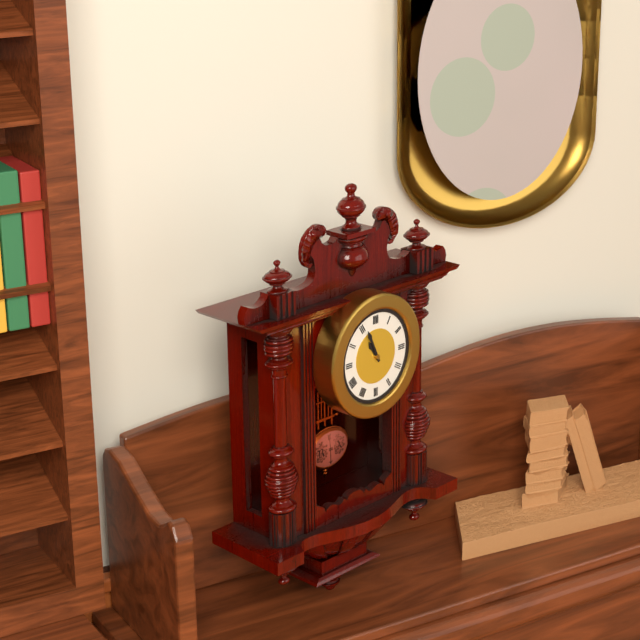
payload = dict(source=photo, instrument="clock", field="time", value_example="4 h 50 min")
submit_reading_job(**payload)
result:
10 h 56 min
